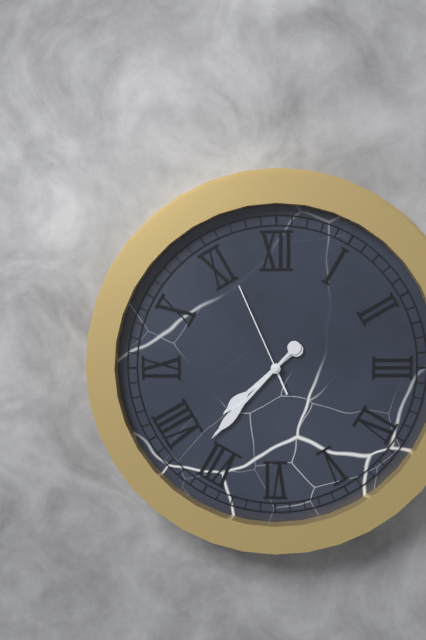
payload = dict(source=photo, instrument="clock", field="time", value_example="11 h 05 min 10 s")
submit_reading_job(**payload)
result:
7 h 37 min 56 s
